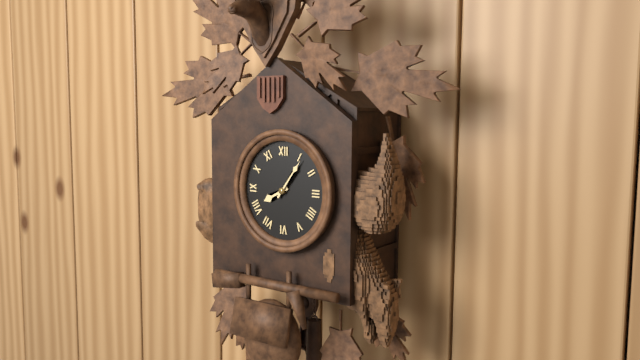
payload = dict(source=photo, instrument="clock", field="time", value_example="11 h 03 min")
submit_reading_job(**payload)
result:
8 h 06 min
